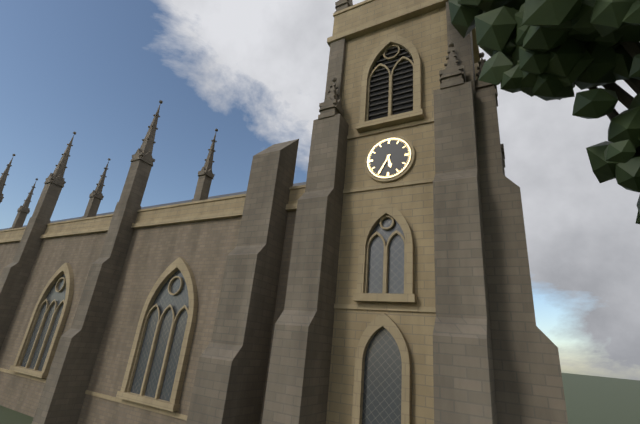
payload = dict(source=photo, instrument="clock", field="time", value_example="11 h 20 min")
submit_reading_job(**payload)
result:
5 h 35 min
